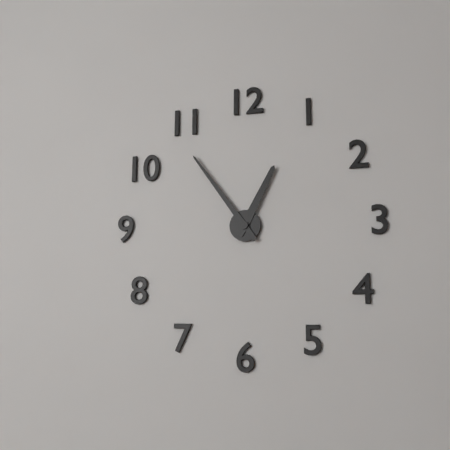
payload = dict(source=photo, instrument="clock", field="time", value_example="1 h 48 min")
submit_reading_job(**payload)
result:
12 h 54 min
